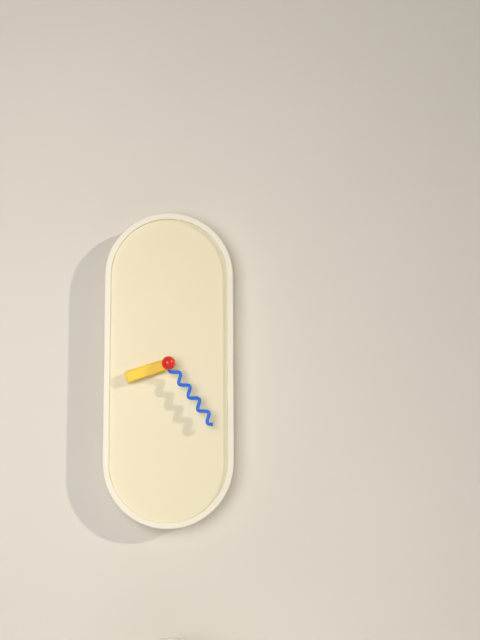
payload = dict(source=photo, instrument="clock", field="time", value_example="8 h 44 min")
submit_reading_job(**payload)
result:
8 h 24 min
